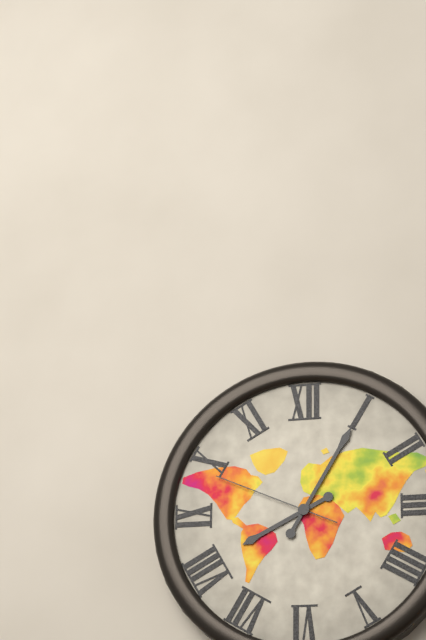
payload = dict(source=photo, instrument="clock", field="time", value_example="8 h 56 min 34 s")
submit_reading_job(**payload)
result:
8 h 05 min 49 s
